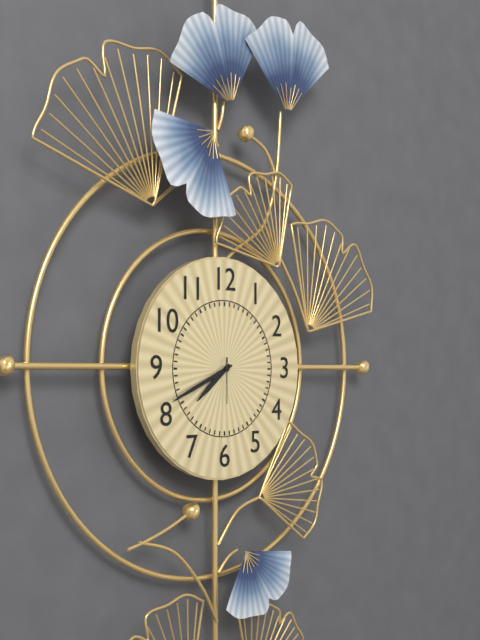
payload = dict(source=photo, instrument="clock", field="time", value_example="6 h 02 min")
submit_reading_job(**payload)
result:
7 h 41 min
